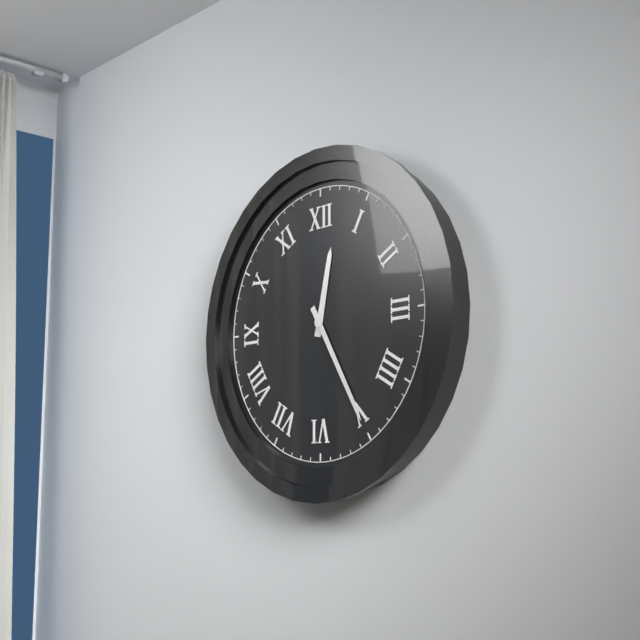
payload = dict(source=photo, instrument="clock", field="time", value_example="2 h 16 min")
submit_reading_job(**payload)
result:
12 h 25 min
